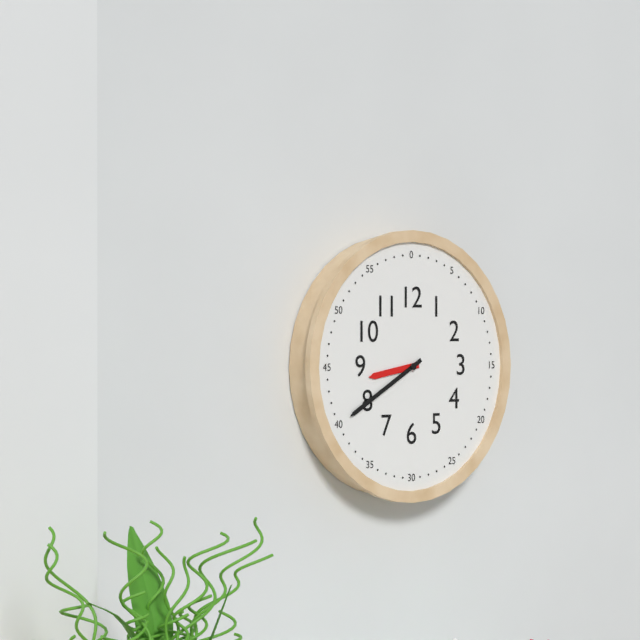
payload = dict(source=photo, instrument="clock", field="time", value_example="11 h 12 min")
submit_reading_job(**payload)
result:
8 h 40 min
